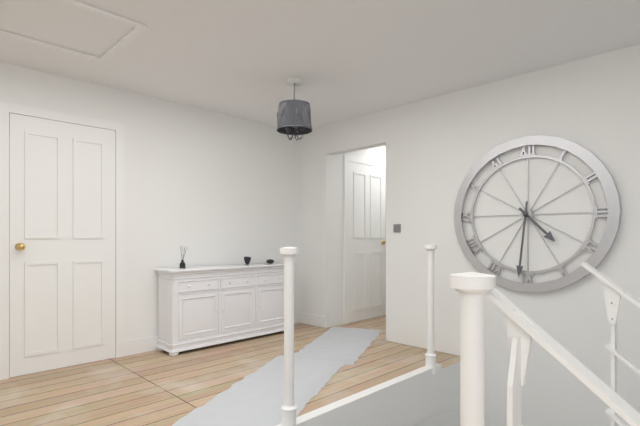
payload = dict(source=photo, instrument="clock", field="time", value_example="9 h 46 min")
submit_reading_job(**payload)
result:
4 h 31 min
